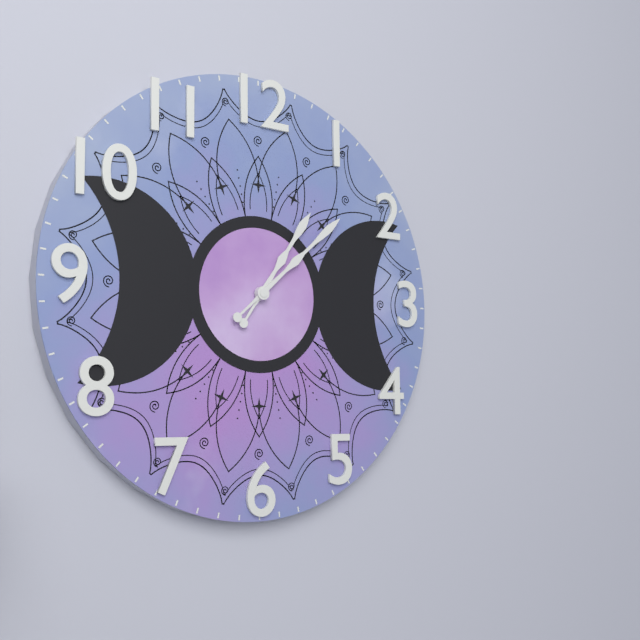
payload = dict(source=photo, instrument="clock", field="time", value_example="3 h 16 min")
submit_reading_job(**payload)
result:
1 h 08 min
